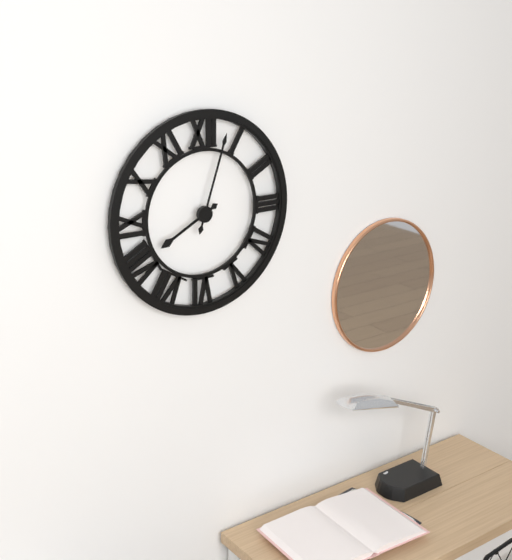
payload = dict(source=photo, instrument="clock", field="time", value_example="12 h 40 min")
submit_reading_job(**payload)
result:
8 h 03 min
